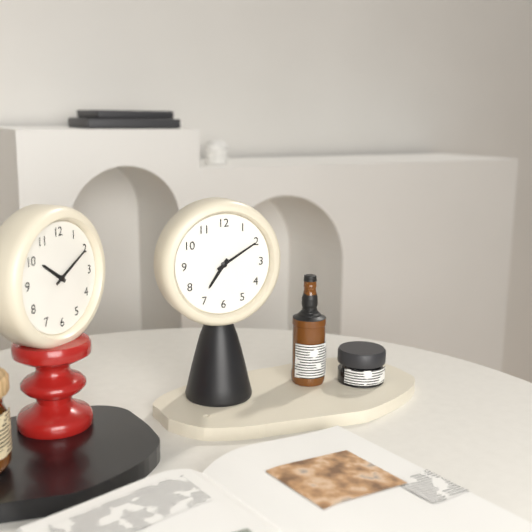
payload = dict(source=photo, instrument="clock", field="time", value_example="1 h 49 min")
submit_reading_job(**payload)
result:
7 h 10 min
